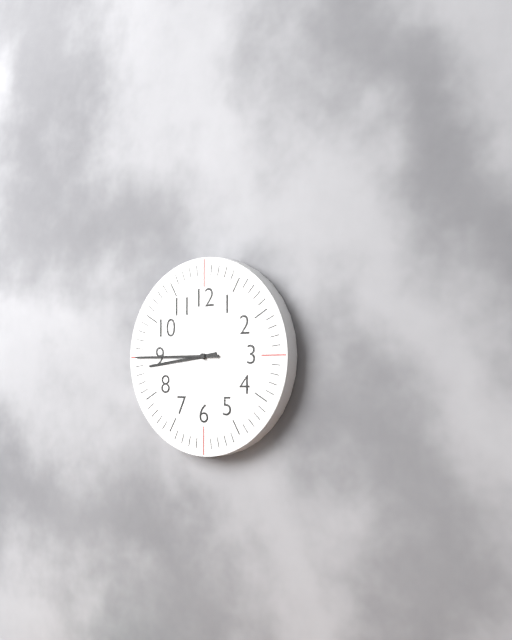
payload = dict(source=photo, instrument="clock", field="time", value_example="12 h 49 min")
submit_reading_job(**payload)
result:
8 h 45 min
